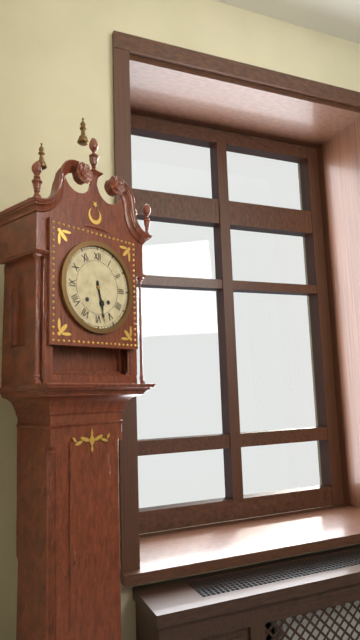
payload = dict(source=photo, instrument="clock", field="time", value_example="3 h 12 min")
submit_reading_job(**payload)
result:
5 h 28 min
